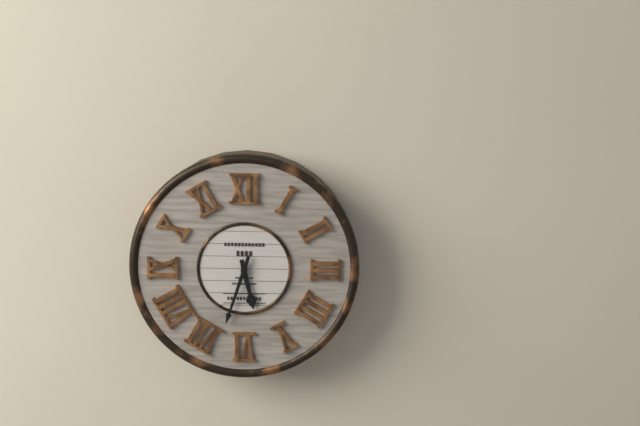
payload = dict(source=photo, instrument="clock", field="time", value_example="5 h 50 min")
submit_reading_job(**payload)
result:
5 h 33 min
